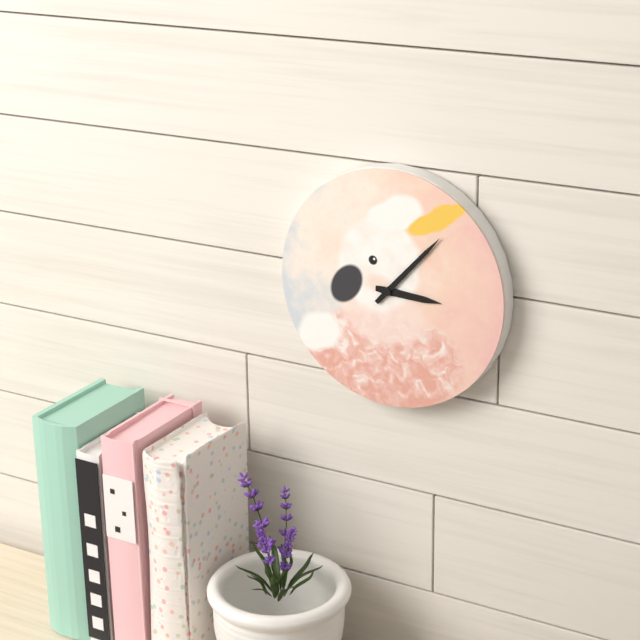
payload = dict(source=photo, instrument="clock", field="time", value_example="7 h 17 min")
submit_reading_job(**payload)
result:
3 h 07 min
